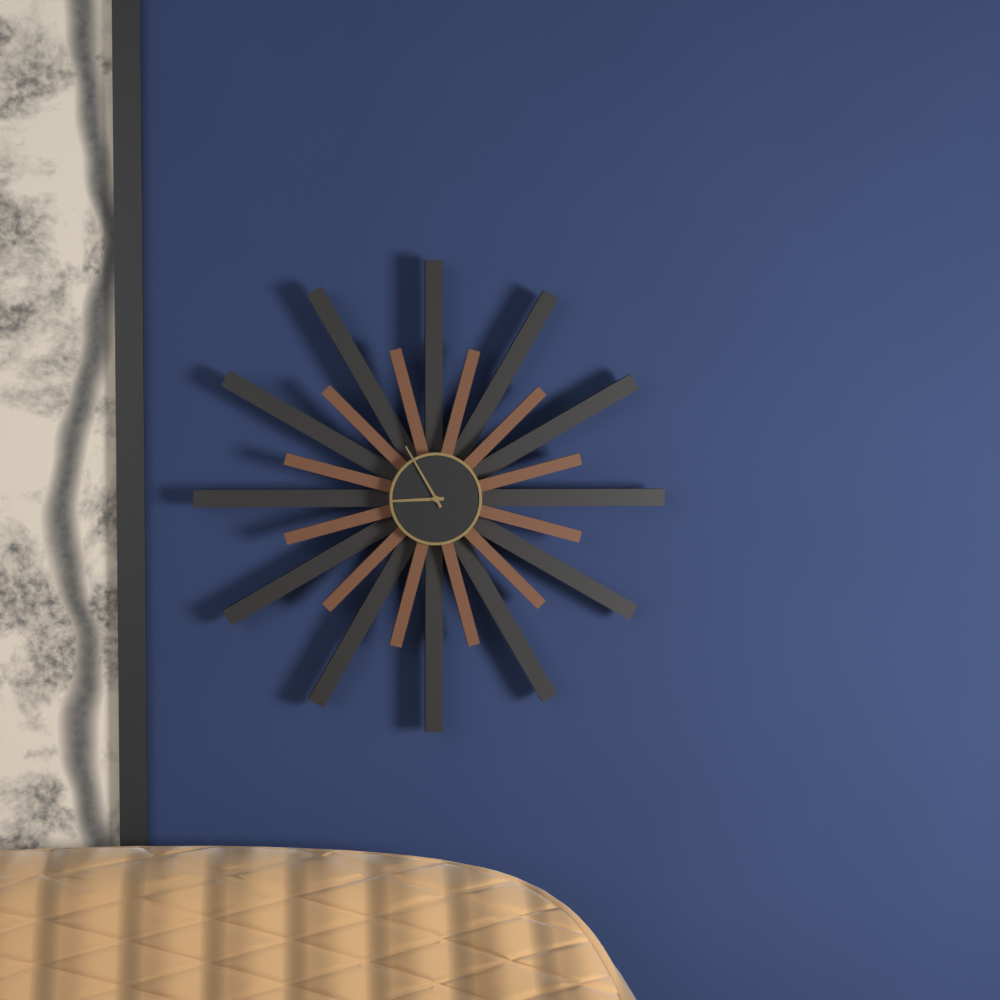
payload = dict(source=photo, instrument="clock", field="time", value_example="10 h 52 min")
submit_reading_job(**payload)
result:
8 h 55 min
